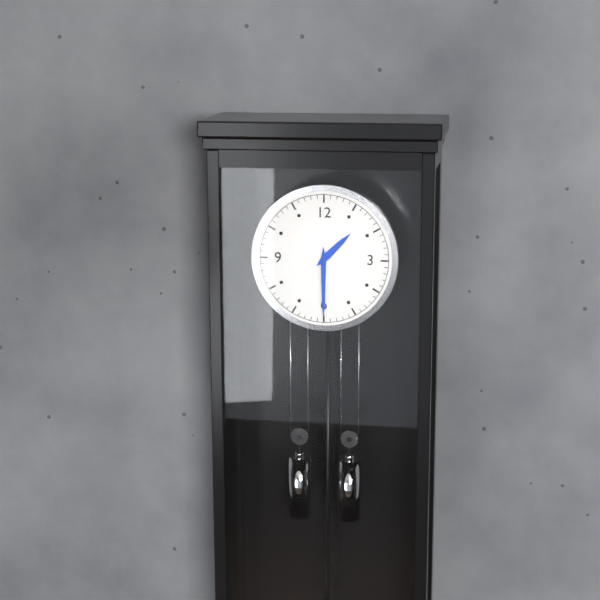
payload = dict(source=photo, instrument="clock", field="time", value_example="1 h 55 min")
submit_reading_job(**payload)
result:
1 h 30 min
